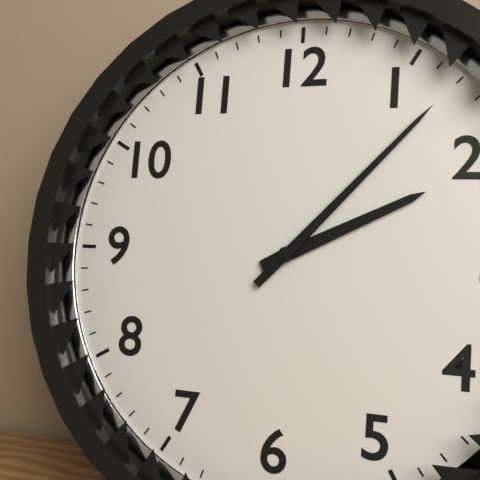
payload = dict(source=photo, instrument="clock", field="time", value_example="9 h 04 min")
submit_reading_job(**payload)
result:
2 h 07 min
